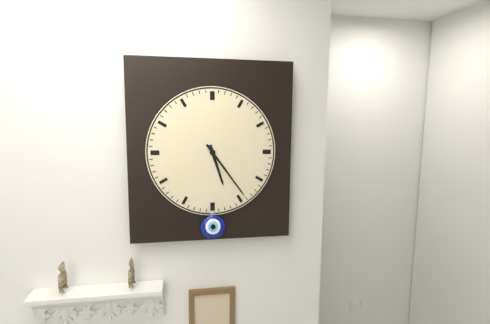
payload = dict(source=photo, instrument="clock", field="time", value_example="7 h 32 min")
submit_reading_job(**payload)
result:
5 h 24 min
